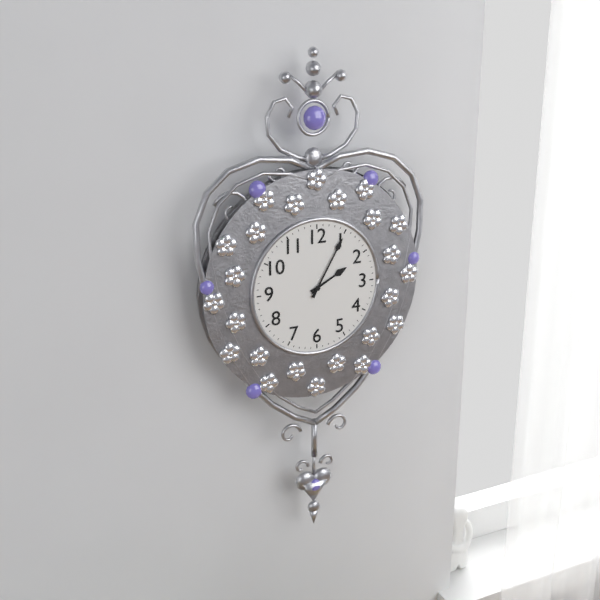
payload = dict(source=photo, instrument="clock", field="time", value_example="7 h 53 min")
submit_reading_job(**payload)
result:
2 h 05 min
